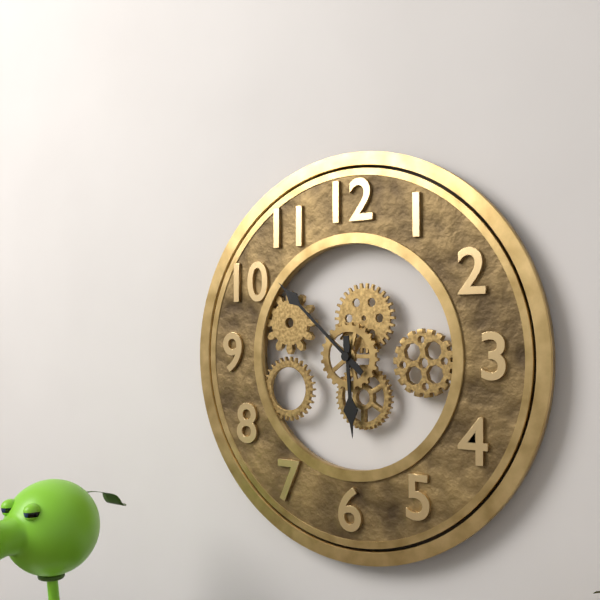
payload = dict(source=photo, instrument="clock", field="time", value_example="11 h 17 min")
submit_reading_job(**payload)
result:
5 h 52 min
